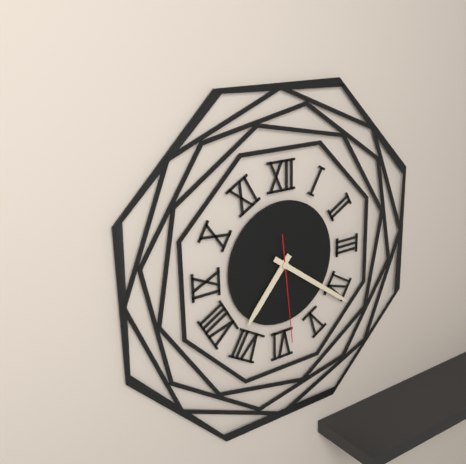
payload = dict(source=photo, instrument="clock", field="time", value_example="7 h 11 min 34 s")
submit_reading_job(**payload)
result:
7 h 21 min 29 s
